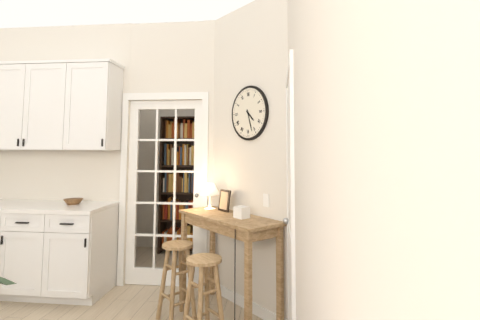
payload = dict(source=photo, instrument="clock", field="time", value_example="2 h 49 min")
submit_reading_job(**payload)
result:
4 h 27 min
